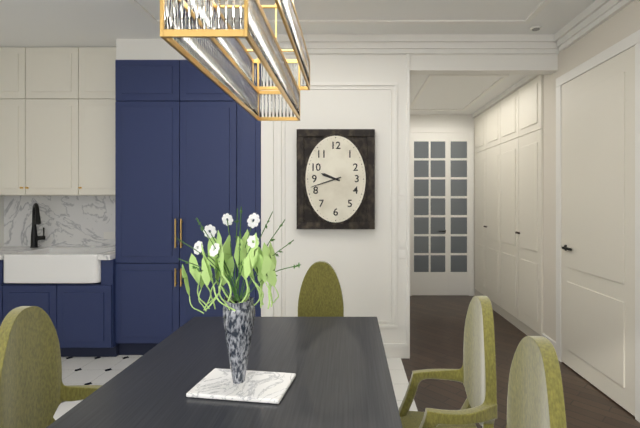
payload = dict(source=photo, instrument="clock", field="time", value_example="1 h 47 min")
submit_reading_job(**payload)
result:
9 h 42 min
